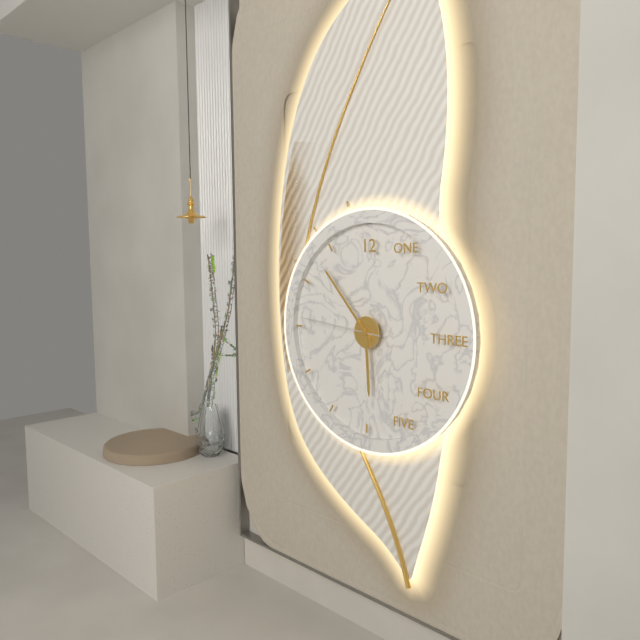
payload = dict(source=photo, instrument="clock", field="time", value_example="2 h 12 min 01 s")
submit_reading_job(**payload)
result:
5 h 53 min 46 s
